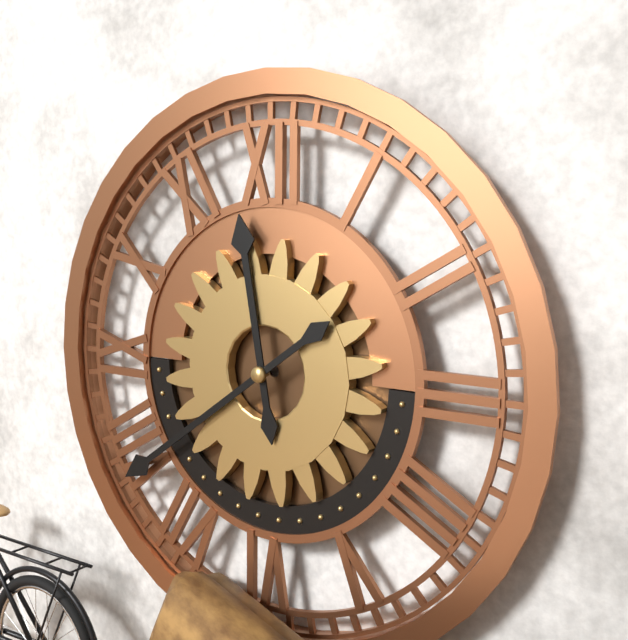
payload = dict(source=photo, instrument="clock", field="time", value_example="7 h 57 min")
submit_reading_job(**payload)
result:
11 h 39 min
